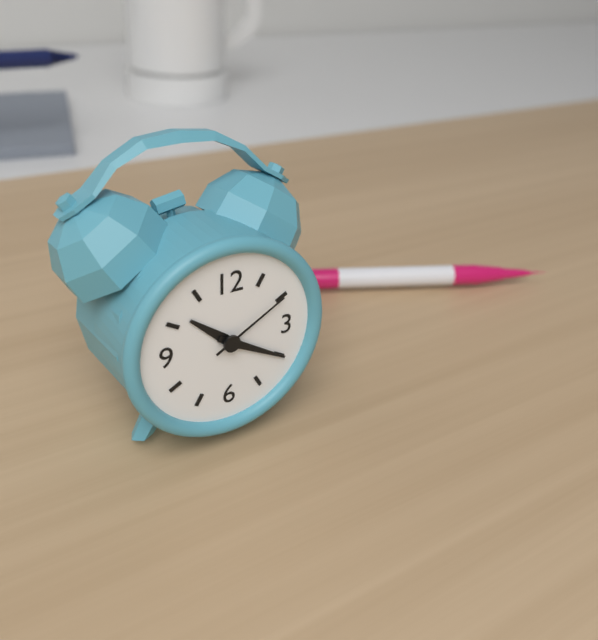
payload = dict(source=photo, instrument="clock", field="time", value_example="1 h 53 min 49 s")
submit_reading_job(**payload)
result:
10 h 20 min 10 s
